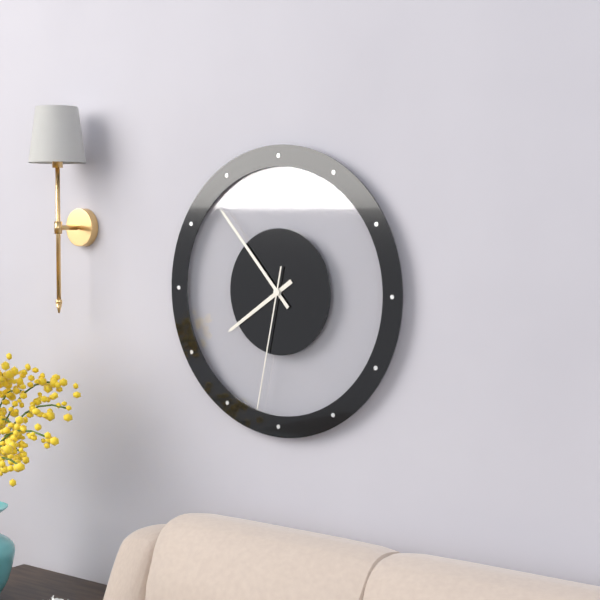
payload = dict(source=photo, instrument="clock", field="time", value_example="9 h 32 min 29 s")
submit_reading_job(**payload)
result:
7 h 53 min 32 s
